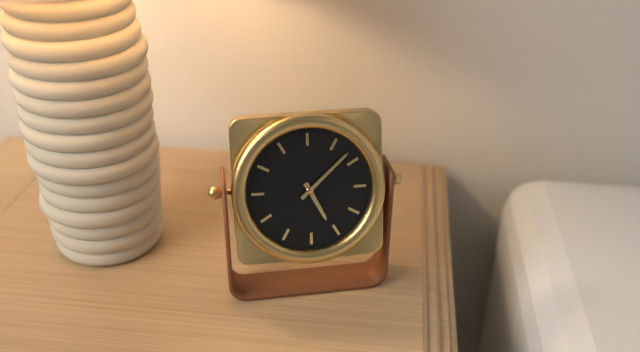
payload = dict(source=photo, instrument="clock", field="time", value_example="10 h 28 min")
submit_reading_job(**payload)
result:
5 h 08 min
